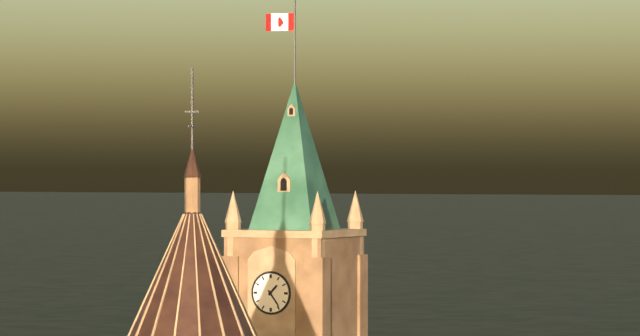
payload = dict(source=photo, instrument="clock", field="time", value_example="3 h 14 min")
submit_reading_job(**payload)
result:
1 h 24 min
